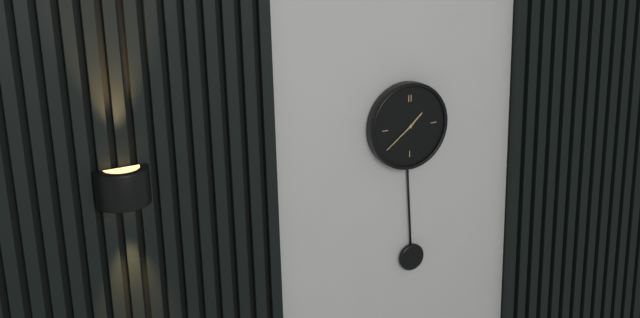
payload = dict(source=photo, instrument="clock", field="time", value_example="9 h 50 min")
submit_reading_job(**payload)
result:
1 h 39 min
